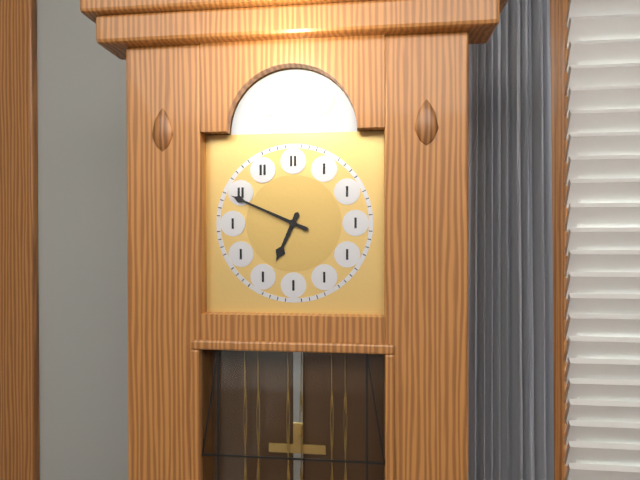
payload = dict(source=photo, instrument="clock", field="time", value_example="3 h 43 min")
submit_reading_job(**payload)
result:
6 h 49 min
